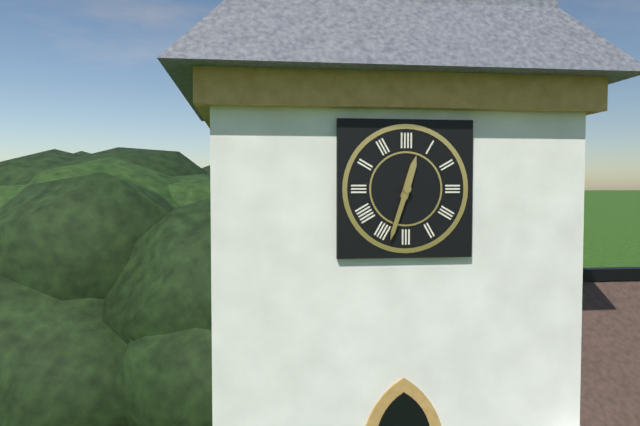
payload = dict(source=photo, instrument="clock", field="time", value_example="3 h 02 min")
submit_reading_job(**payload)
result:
12 h 33 min
